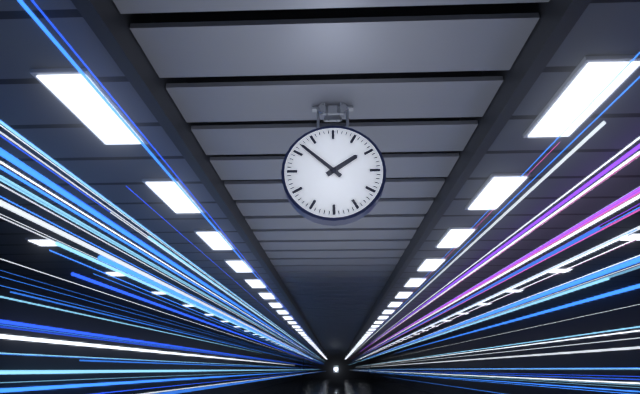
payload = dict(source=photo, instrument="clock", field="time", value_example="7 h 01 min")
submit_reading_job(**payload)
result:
1 h 52 min
